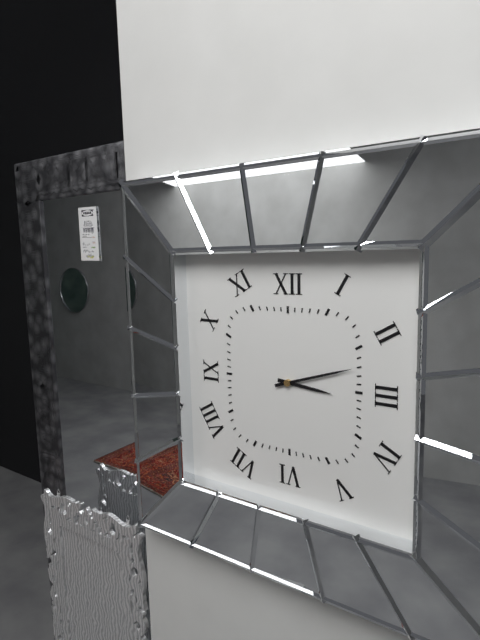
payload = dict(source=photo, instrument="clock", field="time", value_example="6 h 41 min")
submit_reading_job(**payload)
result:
3 h 12 min
